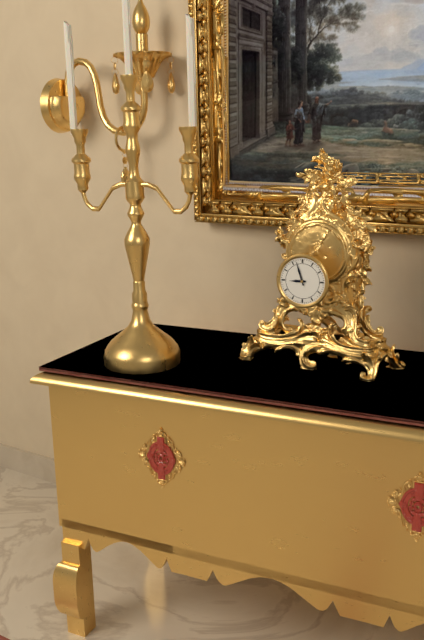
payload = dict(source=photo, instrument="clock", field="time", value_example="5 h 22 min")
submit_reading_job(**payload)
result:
8 h 57 min
